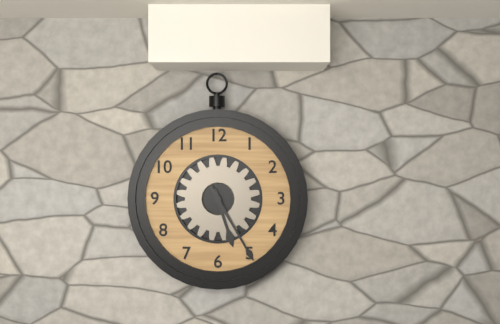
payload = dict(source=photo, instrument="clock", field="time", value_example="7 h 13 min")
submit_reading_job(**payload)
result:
5 h 25 min
